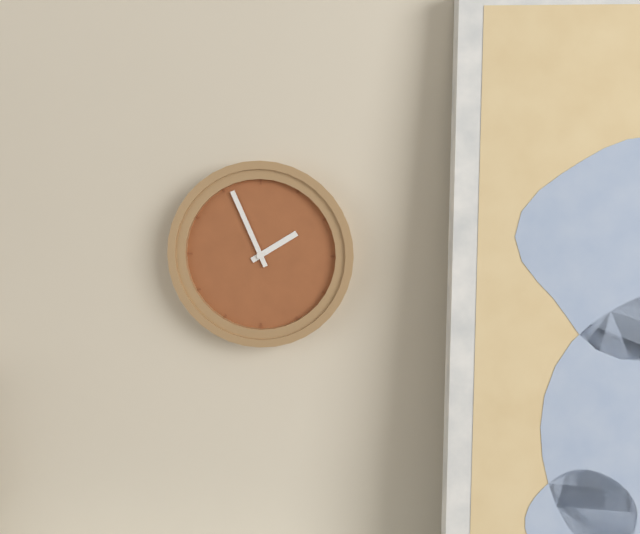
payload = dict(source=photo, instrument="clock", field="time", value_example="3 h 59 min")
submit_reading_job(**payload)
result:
1 h 56 min
